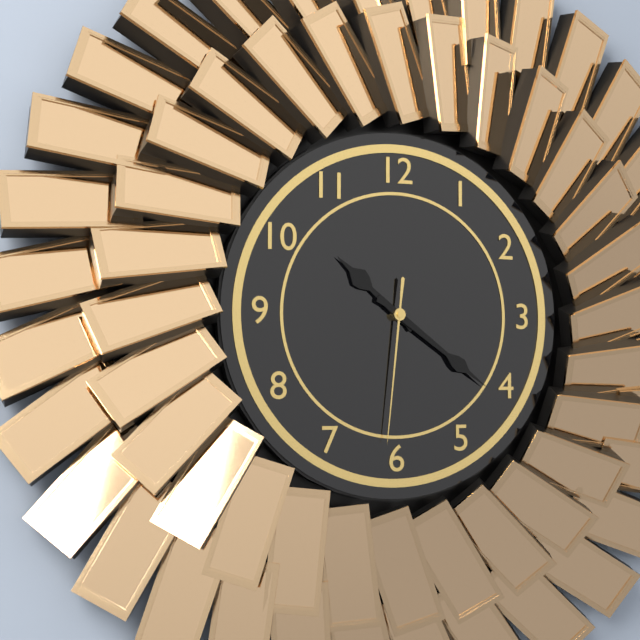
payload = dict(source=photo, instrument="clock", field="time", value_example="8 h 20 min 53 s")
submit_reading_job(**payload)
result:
10 h 21 min 31 s
